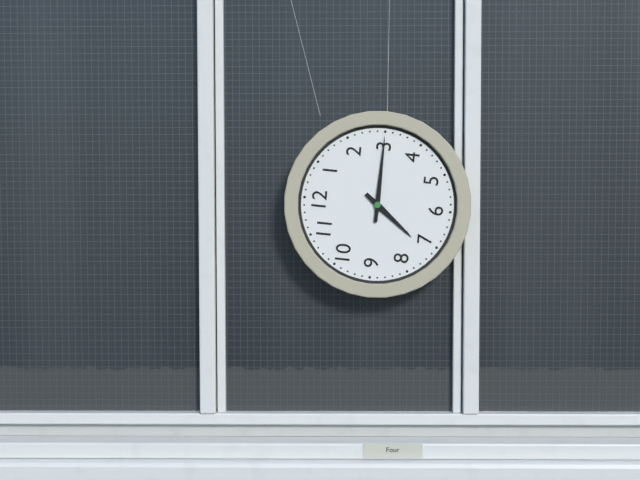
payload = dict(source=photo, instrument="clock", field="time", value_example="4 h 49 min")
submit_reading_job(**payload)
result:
7 h 15 min
